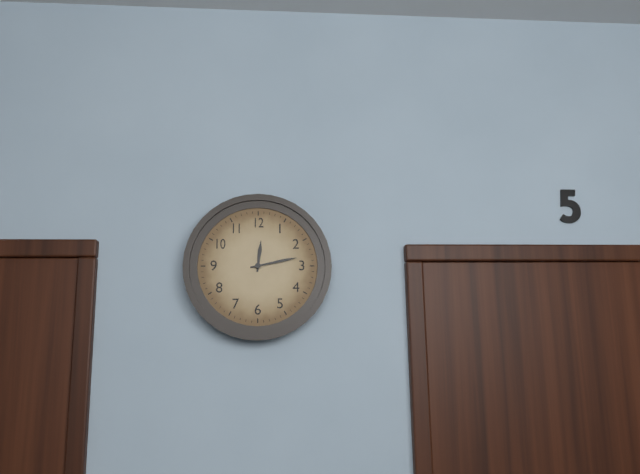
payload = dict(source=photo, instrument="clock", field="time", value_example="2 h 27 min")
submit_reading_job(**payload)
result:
12 h 13 min
